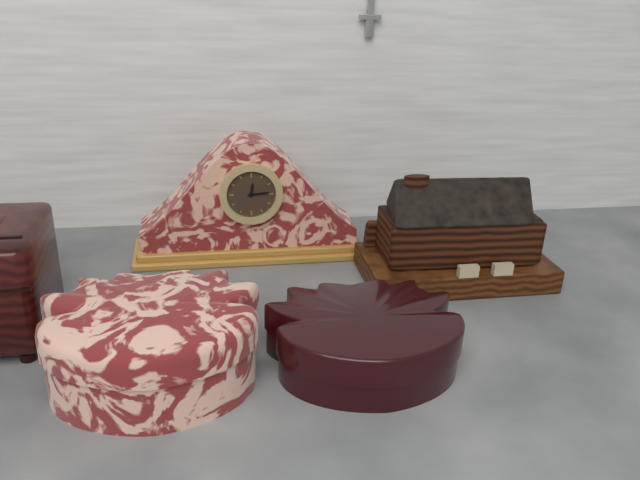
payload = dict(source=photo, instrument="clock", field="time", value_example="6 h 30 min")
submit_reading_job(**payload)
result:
12 h 14 min
